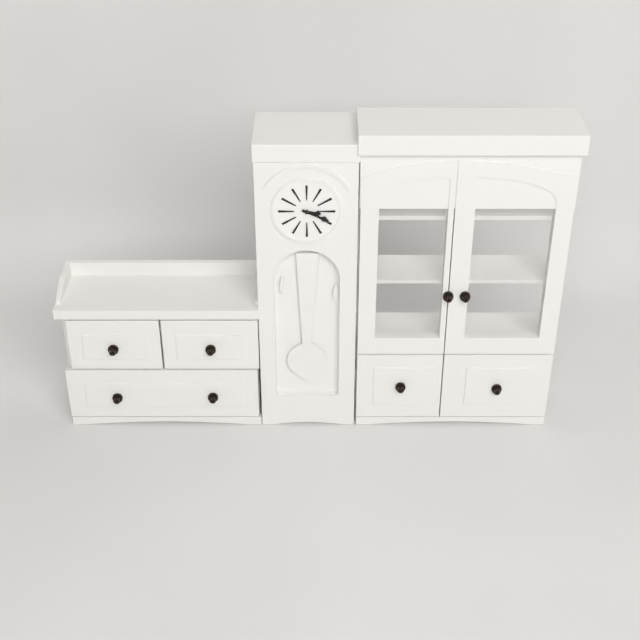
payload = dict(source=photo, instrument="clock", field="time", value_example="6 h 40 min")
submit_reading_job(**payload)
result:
3 h 19 min
